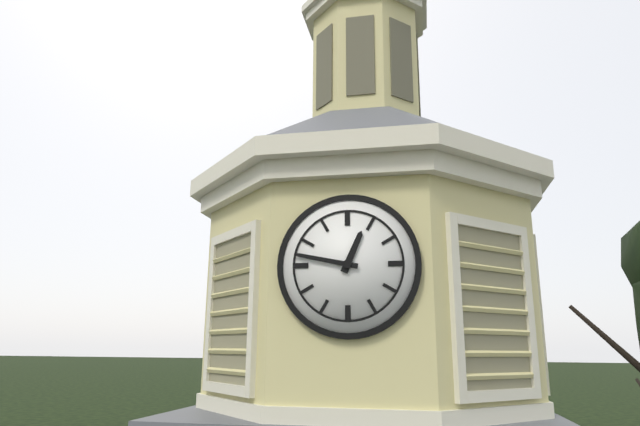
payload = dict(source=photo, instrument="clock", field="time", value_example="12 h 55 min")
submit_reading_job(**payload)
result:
12 h 47 min
